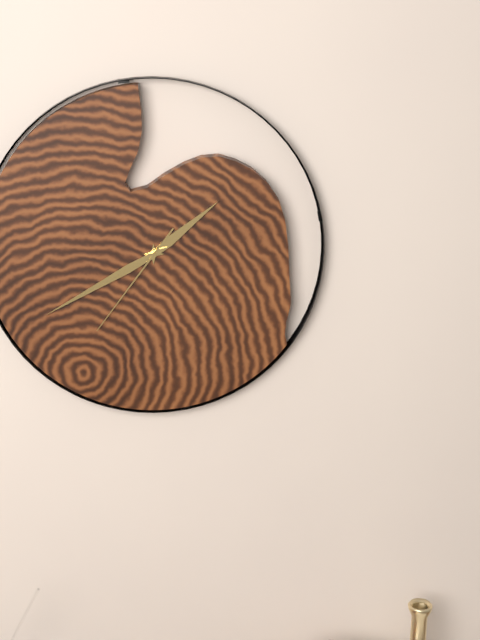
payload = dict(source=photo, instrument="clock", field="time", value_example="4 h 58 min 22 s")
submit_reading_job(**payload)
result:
1 h 40 min 36 s
